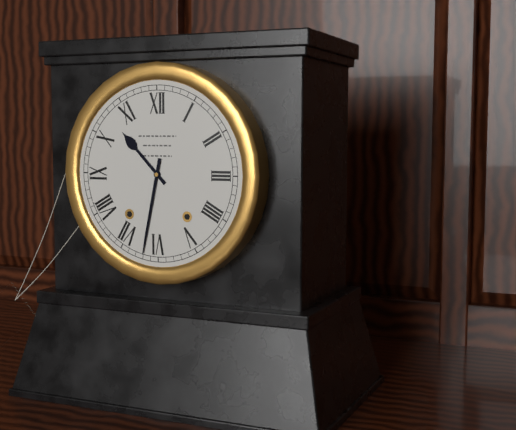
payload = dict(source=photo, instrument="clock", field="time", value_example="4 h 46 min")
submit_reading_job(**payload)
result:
10 h 32 min
